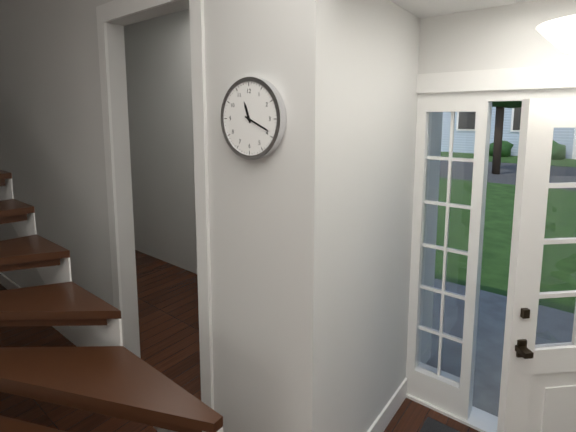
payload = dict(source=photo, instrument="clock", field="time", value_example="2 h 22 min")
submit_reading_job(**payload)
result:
11 h 19 min
